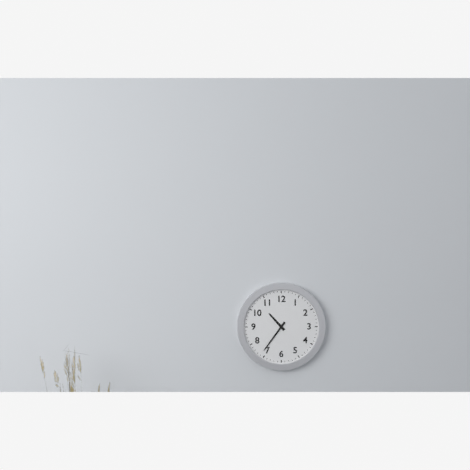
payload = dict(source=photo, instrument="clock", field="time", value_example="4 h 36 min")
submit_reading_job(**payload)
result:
10 h 36 min
